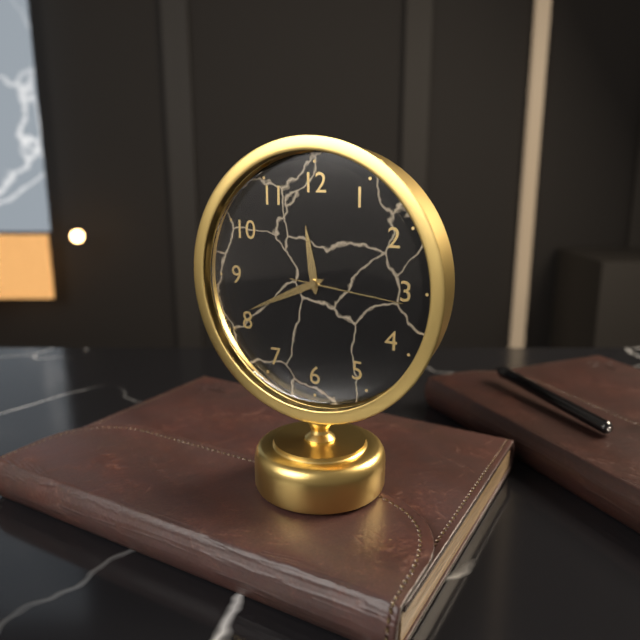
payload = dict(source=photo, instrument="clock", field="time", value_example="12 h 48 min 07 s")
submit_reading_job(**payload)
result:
11 h 41 min 16 s
